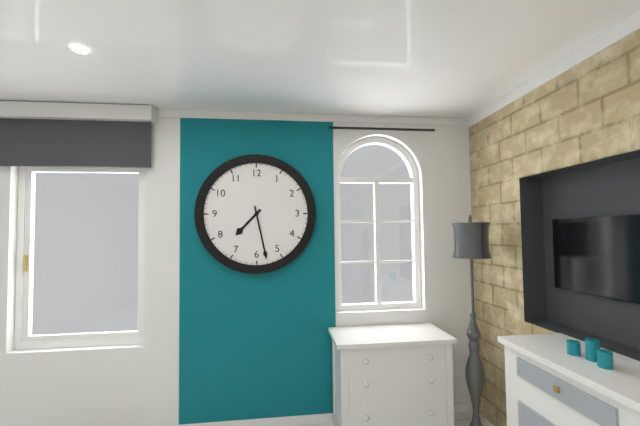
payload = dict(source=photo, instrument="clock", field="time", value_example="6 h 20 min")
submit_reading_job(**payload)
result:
7 h 28 min
